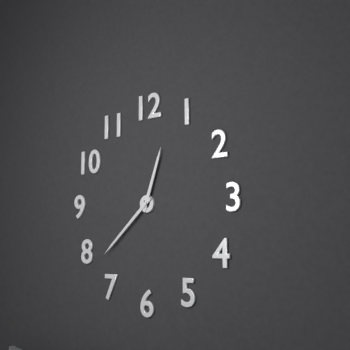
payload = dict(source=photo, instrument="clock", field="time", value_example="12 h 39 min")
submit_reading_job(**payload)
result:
12 h 38 min
